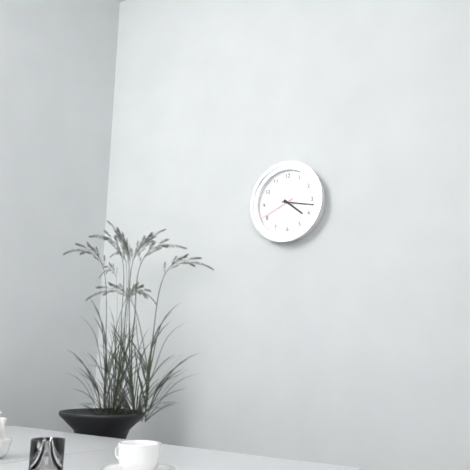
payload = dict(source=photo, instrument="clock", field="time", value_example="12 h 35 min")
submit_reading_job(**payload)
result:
4 h 17 min
